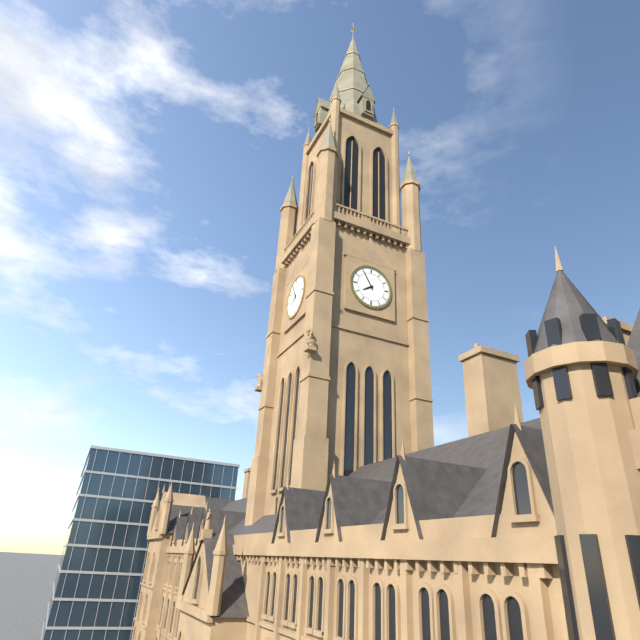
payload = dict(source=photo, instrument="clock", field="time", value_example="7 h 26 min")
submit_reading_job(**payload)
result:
7 h 55 min
